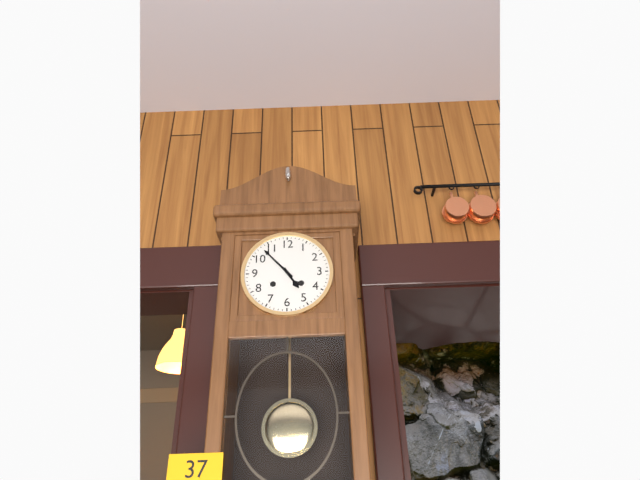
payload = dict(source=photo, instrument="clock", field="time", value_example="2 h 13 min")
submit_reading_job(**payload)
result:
4 h 53 min
